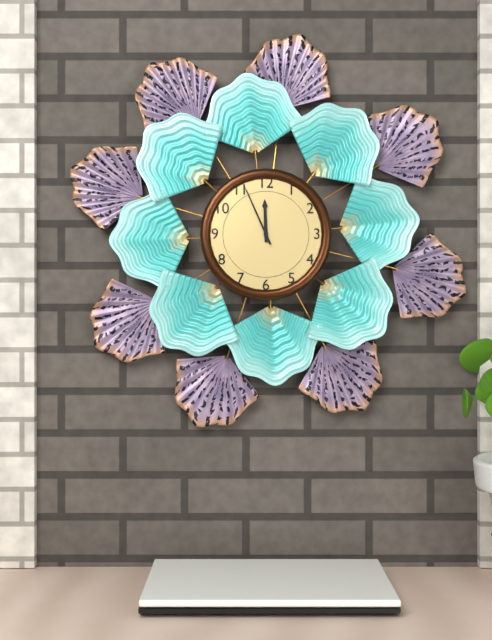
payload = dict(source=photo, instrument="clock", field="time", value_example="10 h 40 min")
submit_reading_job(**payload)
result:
11 h 56 min
